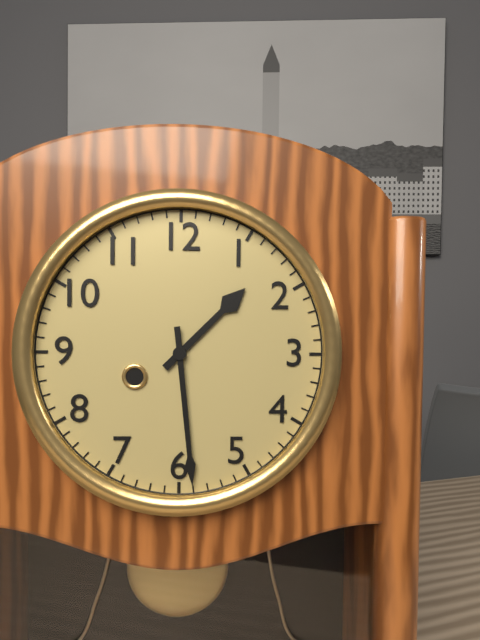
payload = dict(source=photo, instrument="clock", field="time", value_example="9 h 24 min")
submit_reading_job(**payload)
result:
1 h 29 min
